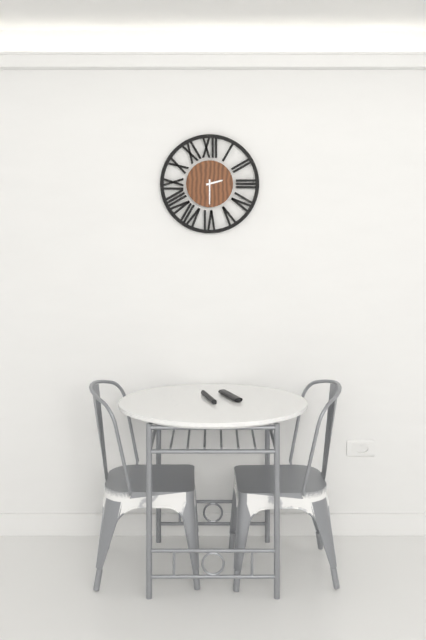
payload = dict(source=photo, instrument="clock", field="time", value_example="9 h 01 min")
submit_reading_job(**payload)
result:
2 h 30 min
